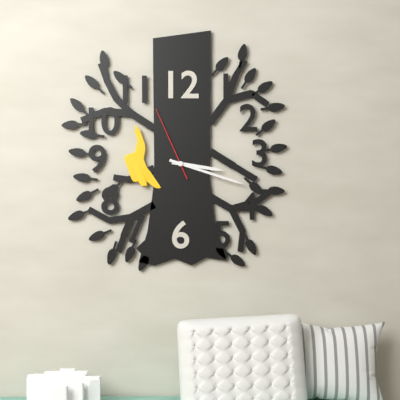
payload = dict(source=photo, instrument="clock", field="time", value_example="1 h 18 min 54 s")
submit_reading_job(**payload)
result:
3 h 18 min 56 s
